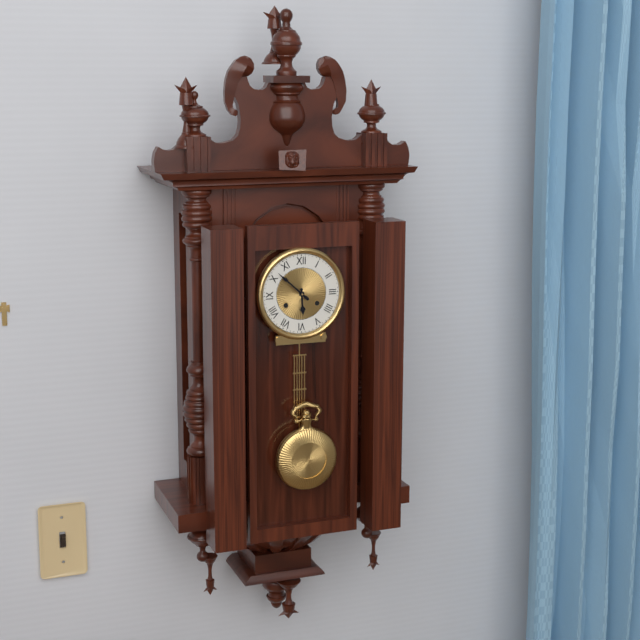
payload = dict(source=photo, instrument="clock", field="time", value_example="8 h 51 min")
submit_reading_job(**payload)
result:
5 h 52 min
